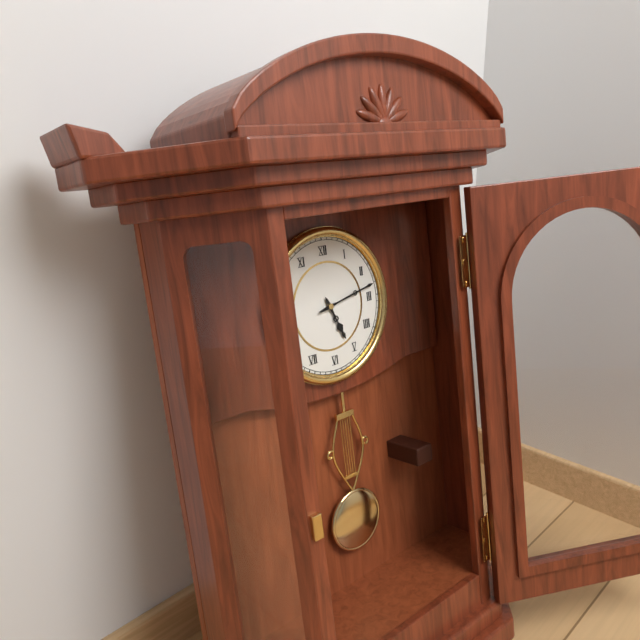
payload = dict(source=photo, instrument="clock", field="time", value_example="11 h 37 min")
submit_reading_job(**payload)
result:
5 h 13 min
